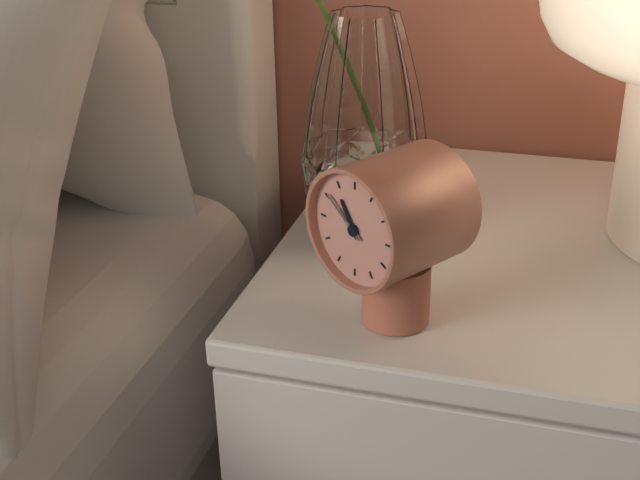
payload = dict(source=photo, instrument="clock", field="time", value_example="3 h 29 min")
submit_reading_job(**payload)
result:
10 h 51 min
